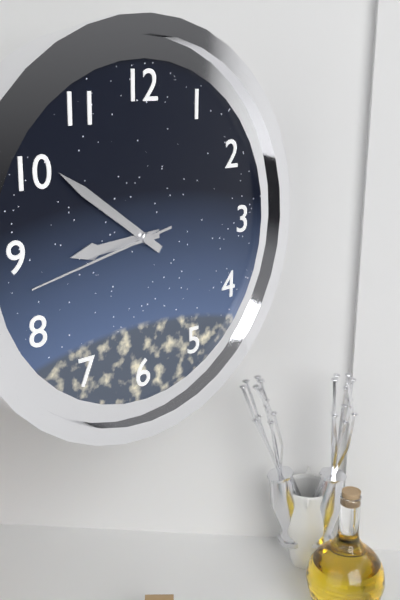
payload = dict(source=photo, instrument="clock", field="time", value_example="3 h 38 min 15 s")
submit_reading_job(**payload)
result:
8 h 51 min 43 s
